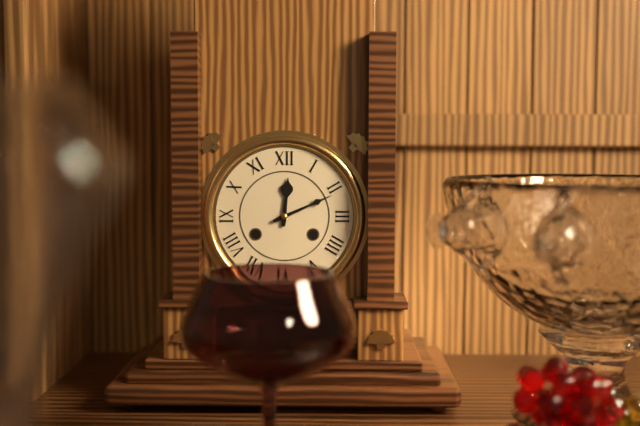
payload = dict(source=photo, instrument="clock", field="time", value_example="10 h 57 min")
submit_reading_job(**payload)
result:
12 h 11 min
